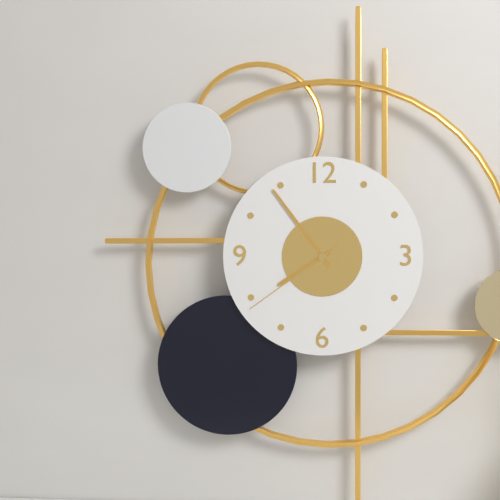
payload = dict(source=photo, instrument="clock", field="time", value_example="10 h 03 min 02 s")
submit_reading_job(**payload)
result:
7 h 54 min 39 s
